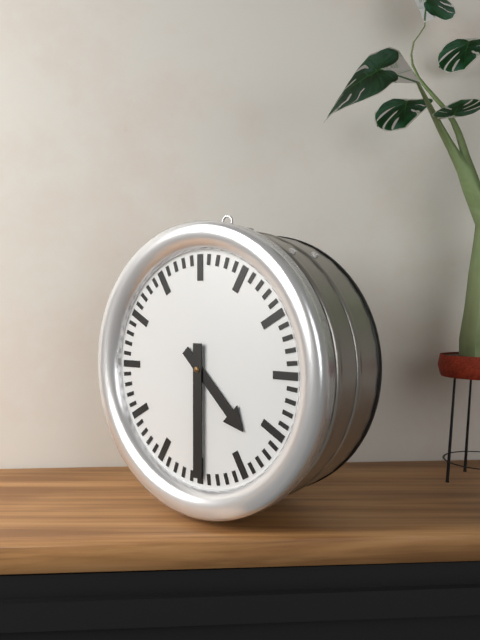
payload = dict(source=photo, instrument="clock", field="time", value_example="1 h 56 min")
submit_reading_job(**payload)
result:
4 h 30 min
